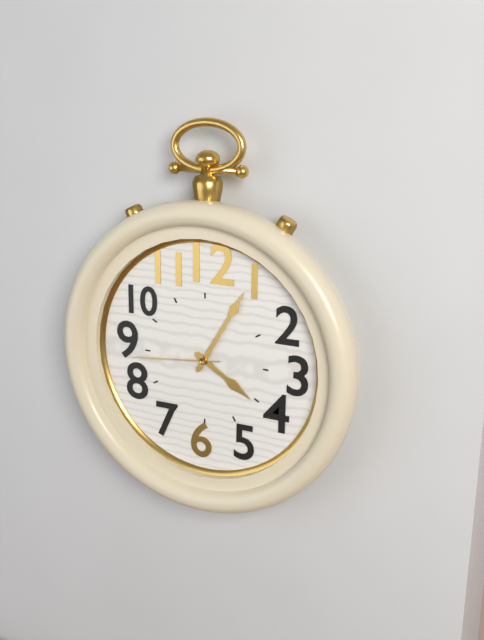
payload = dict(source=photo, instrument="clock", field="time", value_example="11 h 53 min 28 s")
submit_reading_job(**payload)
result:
4 h 05 min 44 s
